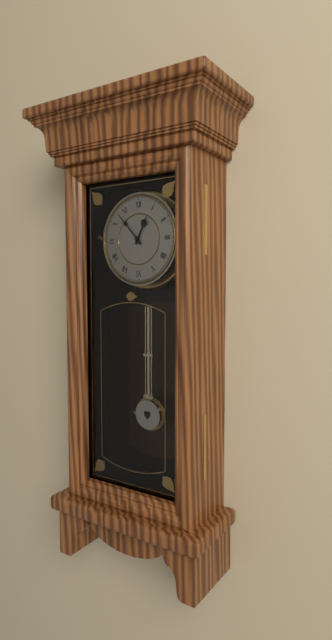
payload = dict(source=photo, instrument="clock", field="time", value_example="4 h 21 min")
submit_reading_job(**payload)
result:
12 h 53 min
